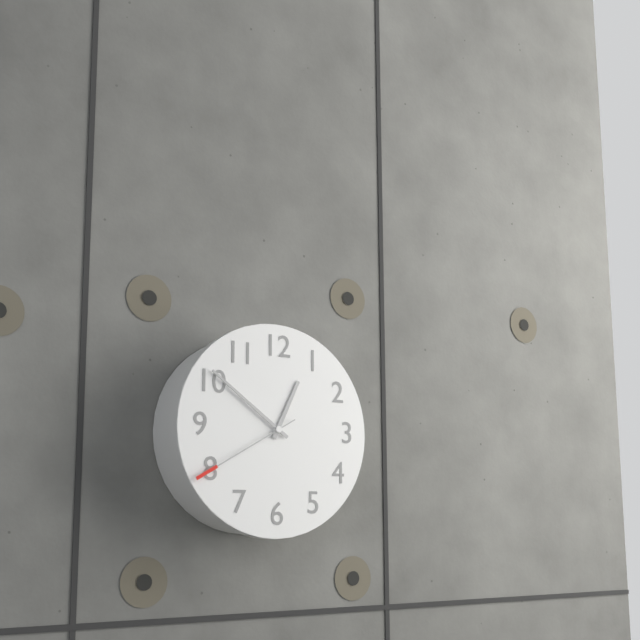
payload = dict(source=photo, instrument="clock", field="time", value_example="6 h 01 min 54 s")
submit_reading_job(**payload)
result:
12 h 51 min 40 s
